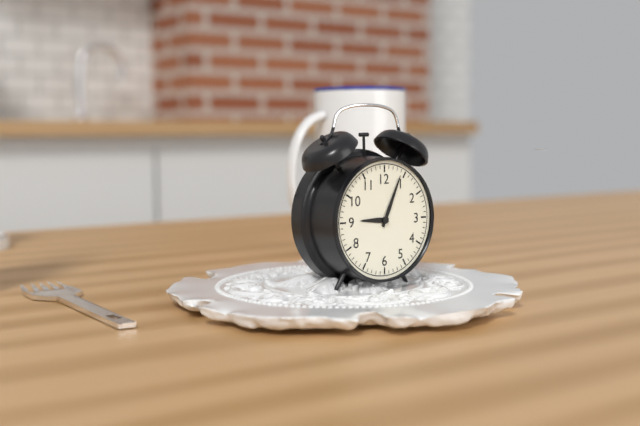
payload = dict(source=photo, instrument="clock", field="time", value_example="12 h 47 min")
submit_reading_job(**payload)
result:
9 h 04 min
